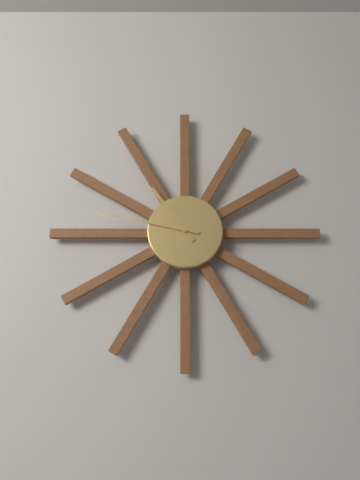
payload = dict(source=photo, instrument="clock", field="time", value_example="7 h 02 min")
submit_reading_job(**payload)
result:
10 h 47 min
